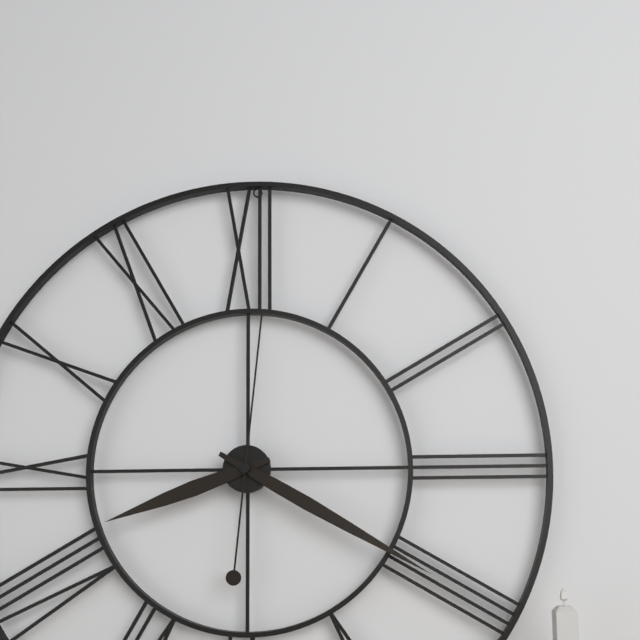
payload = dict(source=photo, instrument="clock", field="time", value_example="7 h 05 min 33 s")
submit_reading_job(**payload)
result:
8 h 20 min 01 s
